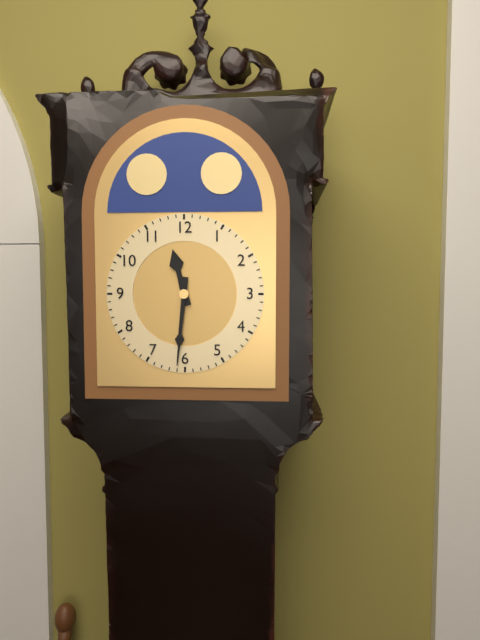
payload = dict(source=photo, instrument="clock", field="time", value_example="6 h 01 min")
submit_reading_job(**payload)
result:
11 h 31 min
